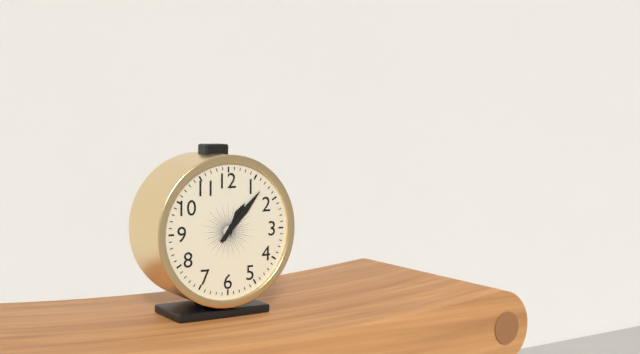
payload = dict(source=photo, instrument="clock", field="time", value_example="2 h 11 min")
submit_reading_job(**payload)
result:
1 h 07 min
